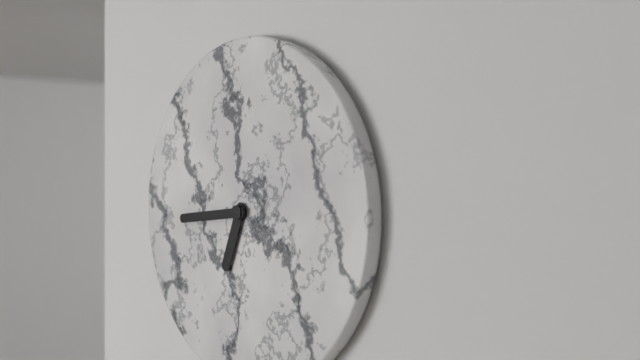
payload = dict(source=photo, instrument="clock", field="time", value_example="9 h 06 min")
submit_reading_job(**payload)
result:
6 h 44 min
